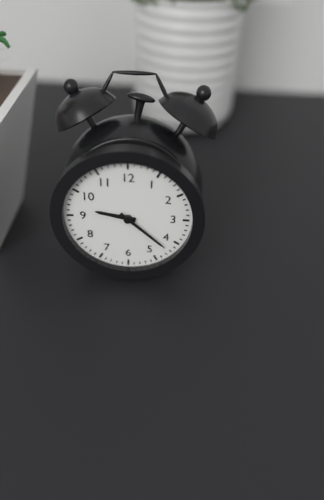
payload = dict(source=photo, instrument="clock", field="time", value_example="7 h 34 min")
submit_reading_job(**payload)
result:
9 h 22 min
